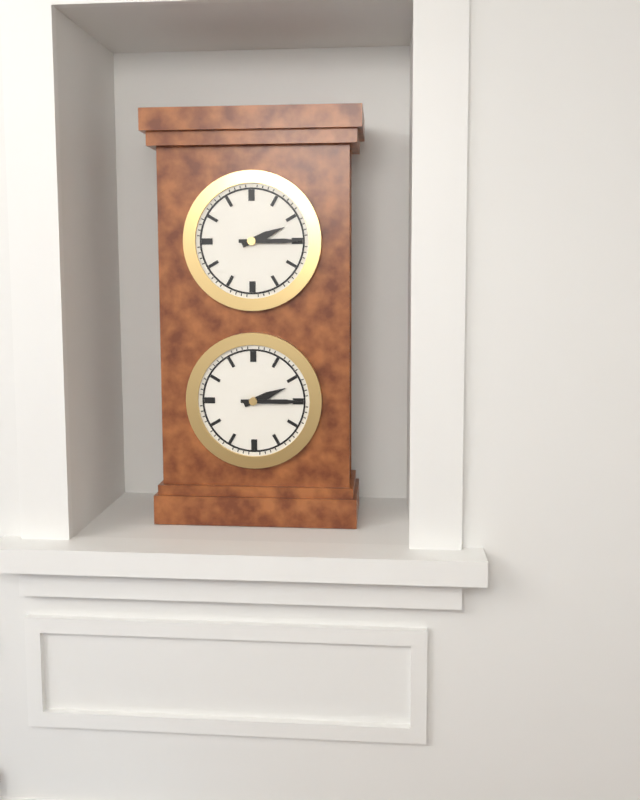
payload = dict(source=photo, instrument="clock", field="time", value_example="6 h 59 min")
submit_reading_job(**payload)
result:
2 h 15 min
